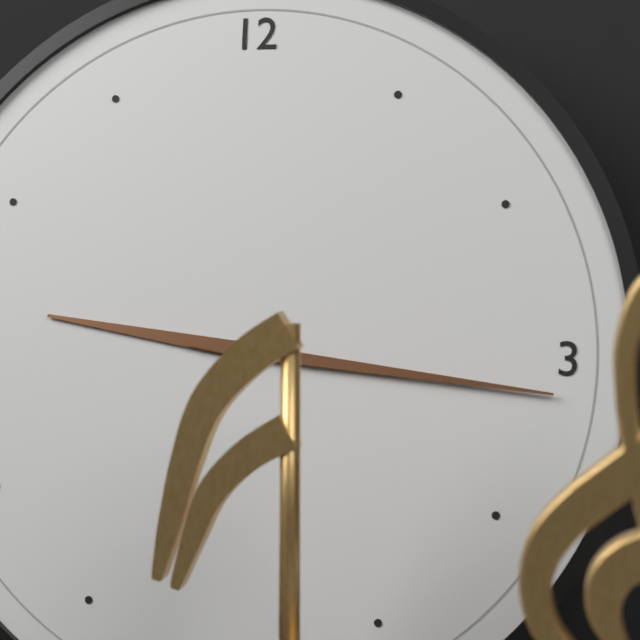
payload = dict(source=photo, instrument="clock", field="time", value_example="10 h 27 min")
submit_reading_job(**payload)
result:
9 h 16 min
